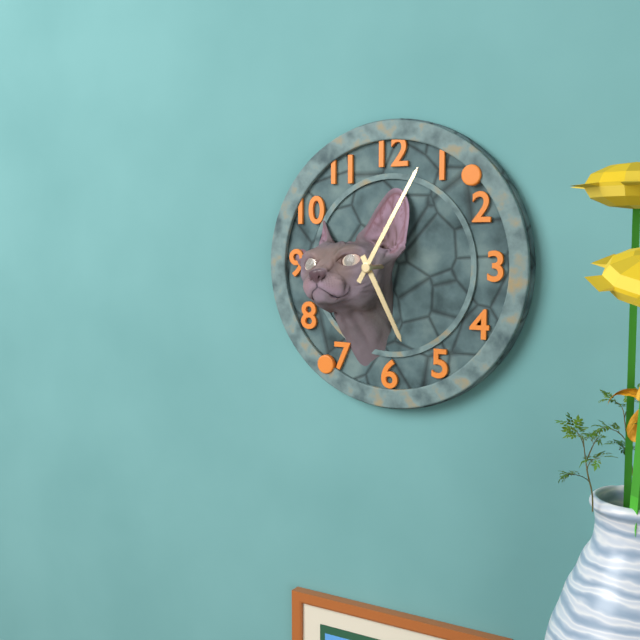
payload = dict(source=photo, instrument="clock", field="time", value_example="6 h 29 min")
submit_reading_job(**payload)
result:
5 h 05 min
